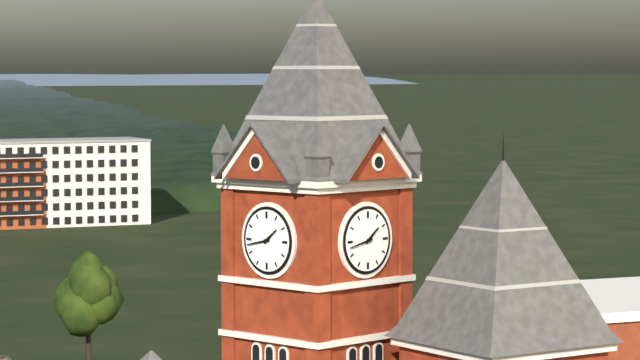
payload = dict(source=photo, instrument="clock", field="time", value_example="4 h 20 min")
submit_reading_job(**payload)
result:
1 h 43 min
